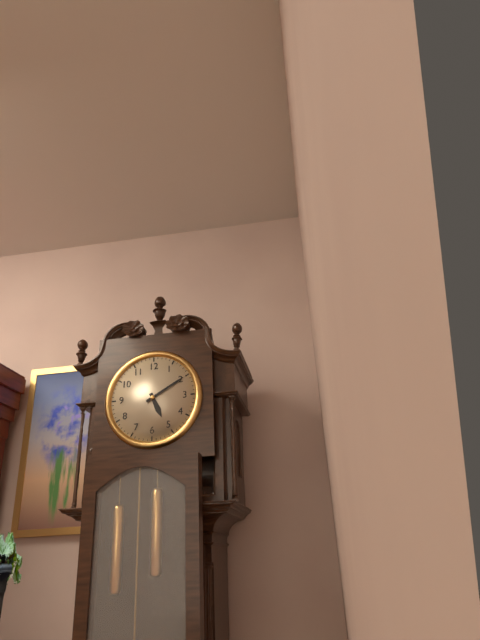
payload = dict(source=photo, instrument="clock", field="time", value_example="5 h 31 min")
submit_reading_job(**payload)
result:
5 h 10 min
